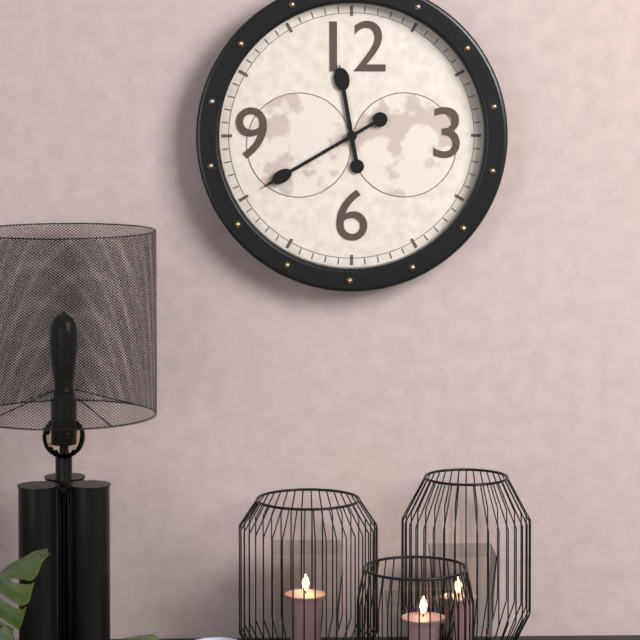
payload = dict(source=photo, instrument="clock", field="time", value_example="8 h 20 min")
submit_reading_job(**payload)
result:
11 h 40 min
